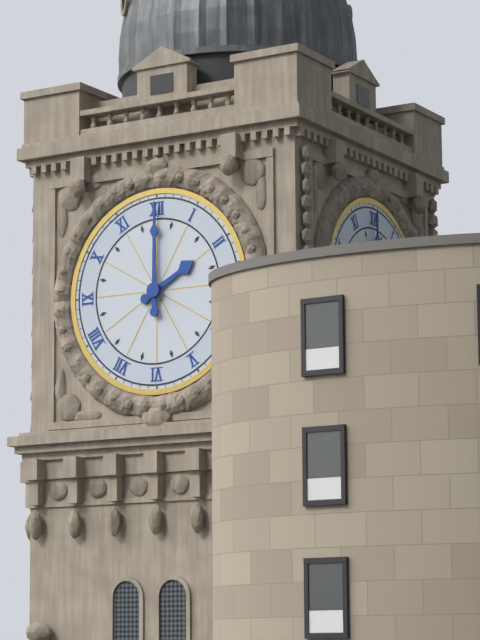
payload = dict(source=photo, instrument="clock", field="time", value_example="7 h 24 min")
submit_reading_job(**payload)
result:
2 h 00 min
